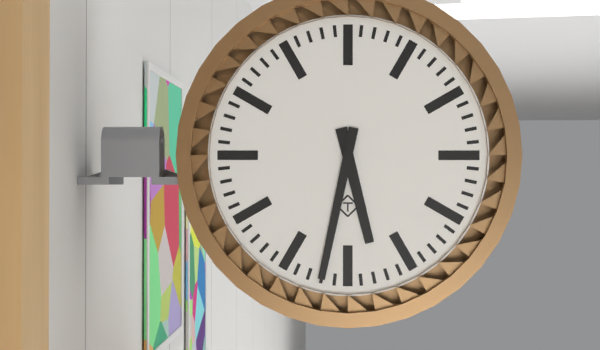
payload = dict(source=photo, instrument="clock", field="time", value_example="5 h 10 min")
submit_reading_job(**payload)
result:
5 h 32 min
